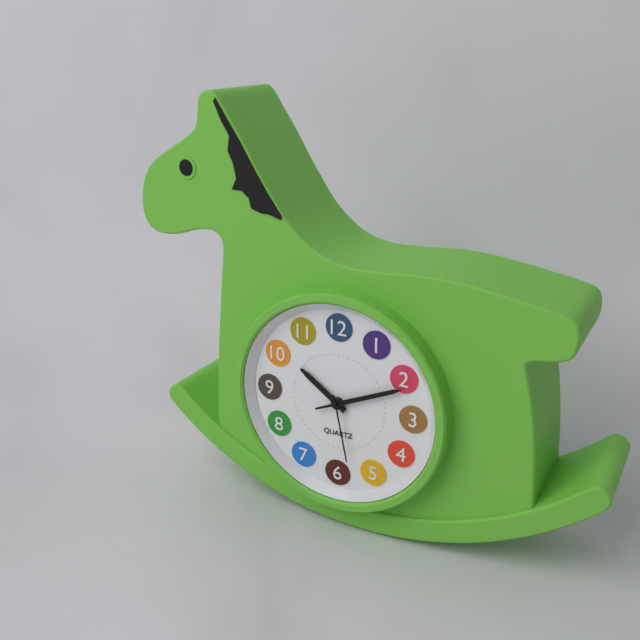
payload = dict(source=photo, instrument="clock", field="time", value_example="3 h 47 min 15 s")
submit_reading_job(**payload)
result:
10 h 11 min 28 s
